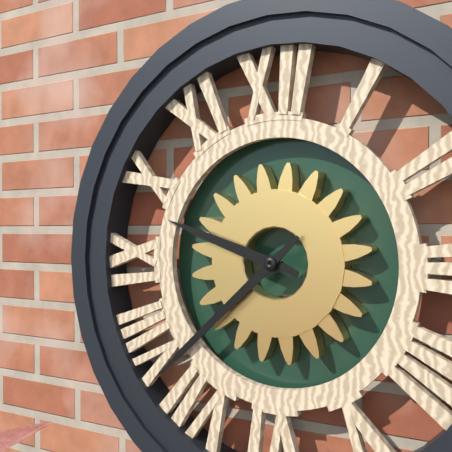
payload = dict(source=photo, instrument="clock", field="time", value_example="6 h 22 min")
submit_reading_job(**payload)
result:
9 h 38 min
